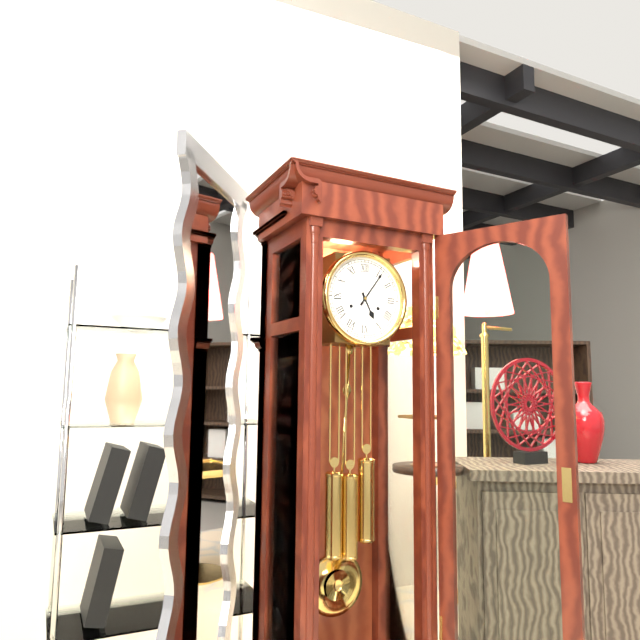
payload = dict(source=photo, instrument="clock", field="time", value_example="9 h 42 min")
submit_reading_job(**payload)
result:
5 h 06 min
